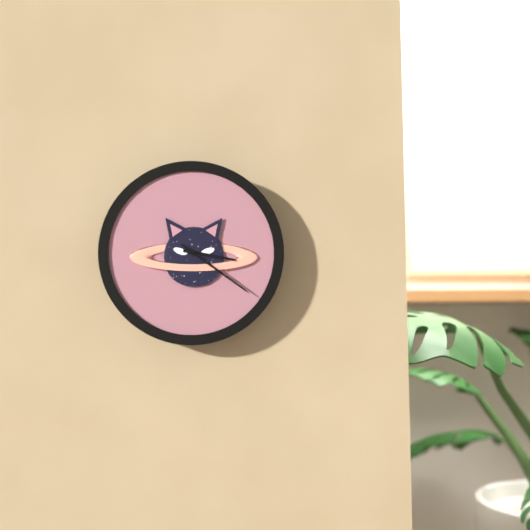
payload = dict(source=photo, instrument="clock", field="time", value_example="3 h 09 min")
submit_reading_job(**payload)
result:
3 h 21 min
